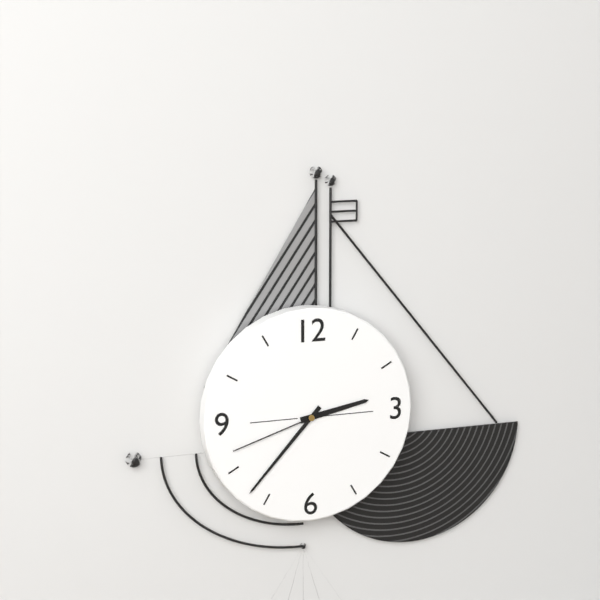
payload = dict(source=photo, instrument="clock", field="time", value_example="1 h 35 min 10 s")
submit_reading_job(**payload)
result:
2 h 37 min 42 s
